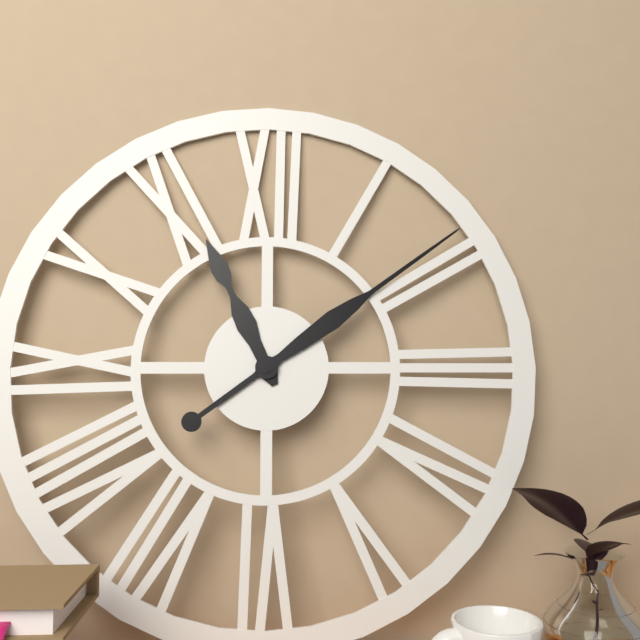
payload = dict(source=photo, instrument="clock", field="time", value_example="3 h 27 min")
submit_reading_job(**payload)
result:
11 h 09 min
